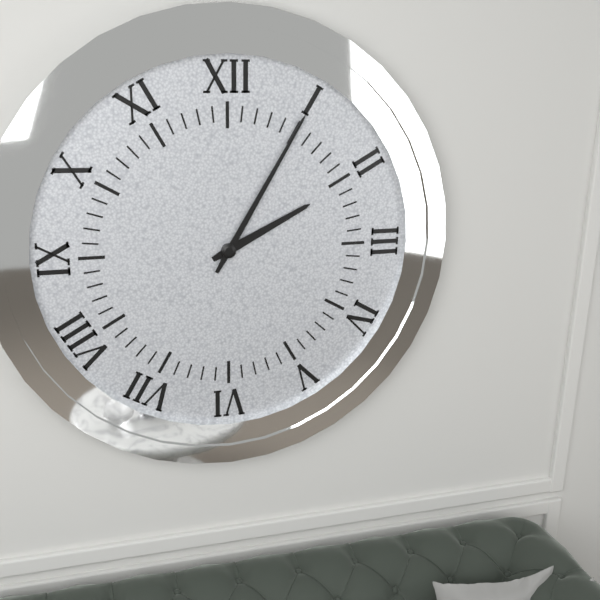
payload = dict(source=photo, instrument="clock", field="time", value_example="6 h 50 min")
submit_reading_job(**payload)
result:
2 h 05 min
